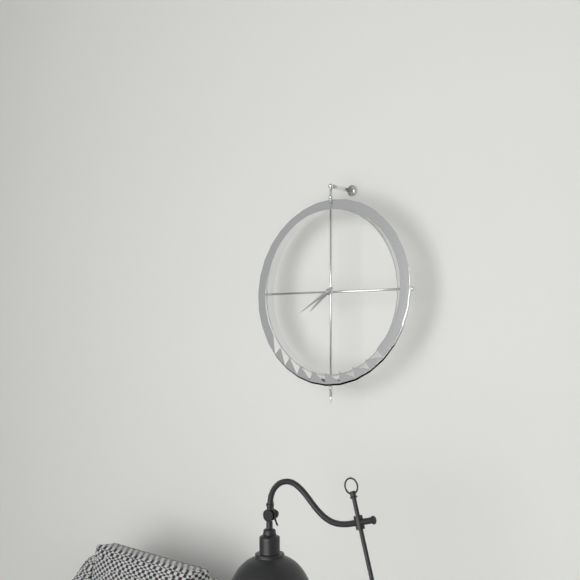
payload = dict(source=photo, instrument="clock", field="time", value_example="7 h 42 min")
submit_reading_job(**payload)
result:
7 h 40 min
